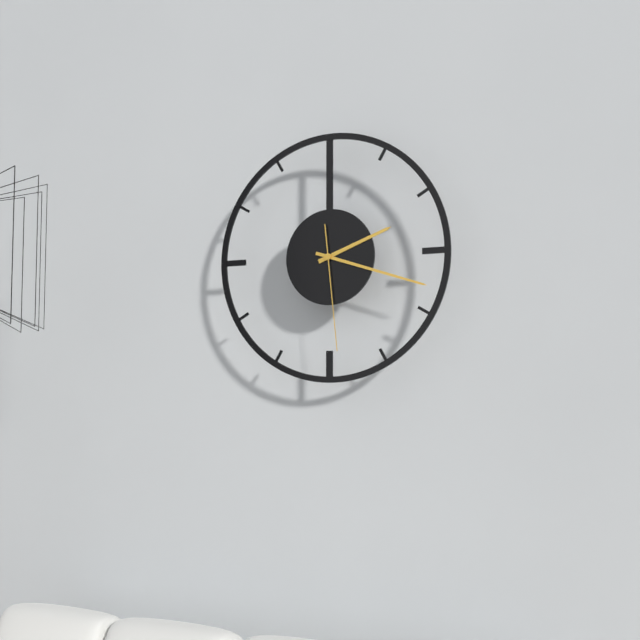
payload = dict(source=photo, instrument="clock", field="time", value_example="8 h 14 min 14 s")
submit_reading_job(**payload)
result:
2 h 18 min 29 s
